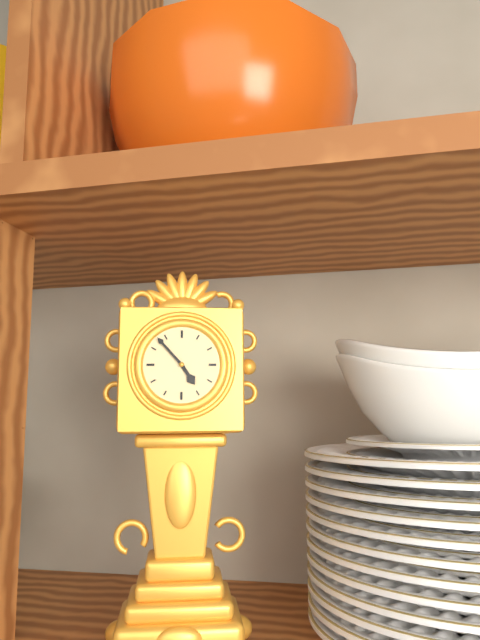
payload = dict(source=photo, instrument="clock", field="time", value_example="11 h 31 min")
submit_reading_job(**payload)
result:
4 h 53 min
